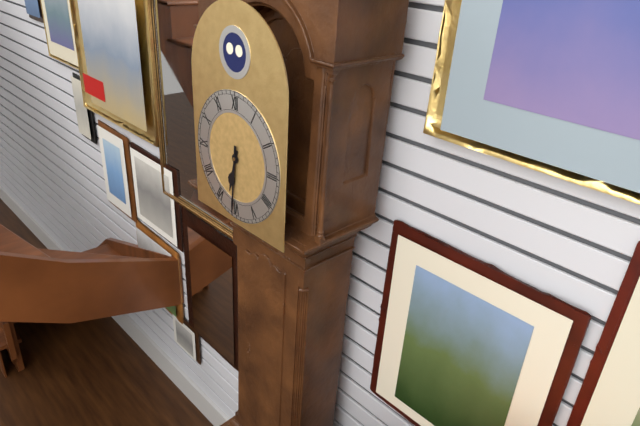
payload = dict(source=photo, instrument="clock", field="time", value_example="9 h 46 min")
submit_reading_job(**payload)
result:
6 h 31 min
